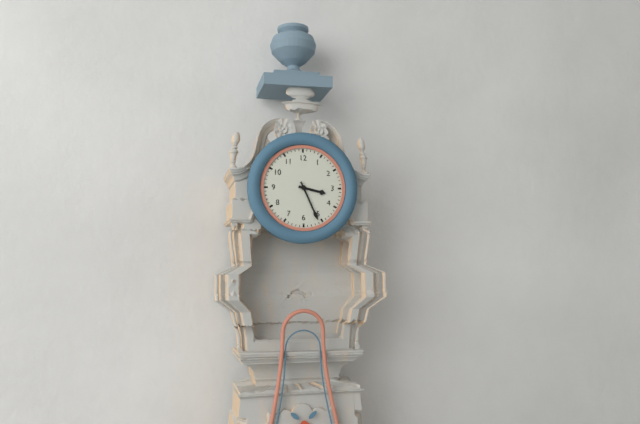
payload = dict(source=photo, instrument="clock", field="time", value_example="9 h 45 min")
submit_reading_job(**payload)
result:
3 h 26 min
